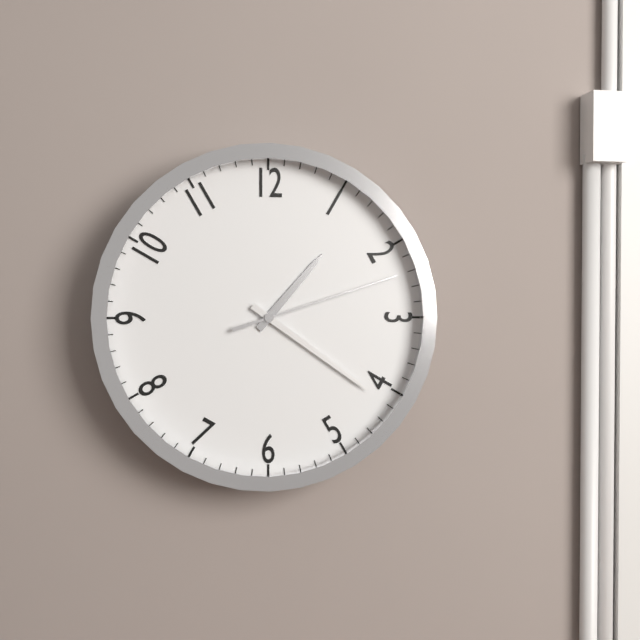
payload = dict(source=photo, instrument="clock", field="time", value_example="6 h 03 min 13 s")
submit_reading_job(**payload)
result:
1 h 21 min 12 s
